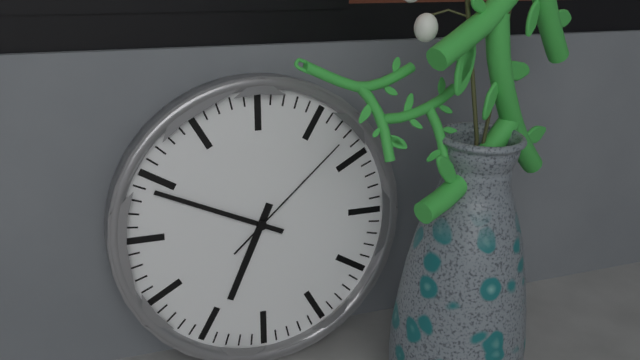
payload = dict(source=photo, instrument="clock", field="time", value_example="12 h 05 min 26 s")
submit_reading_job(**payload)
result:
6 h 49 min 08 s
